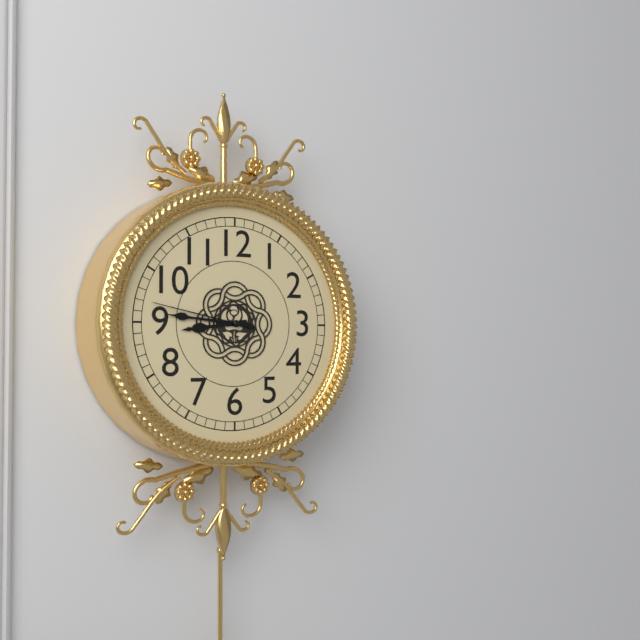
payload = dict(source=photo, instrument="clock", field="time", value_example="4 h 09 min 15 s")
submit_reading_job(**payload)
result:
8 h 46 min 47 s
